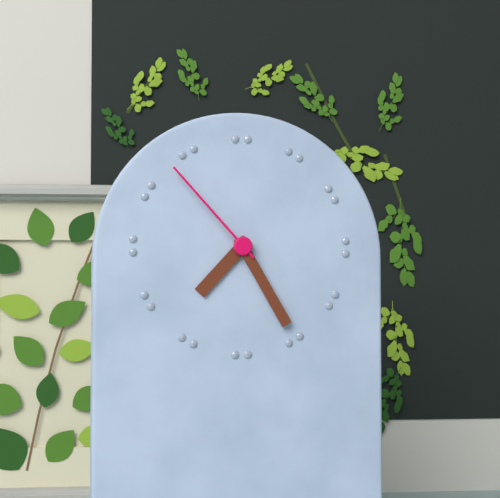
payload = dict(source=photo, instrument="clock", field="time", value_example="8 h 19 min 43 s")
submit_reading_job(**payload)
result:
7 h 25 min 53 s
